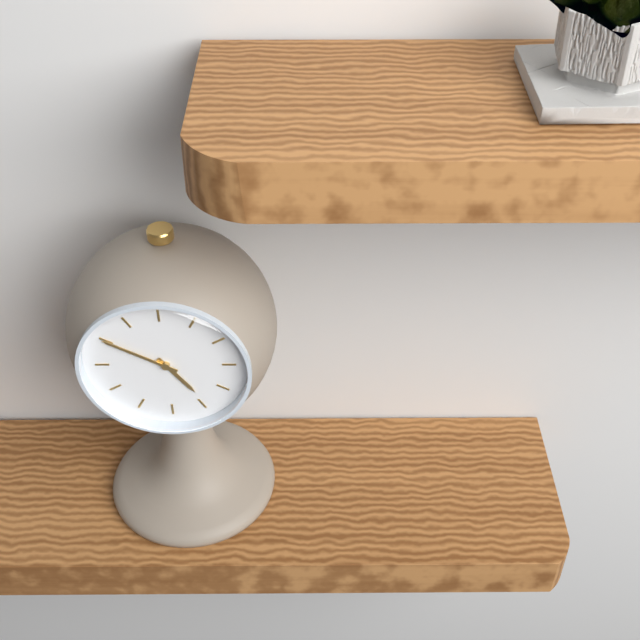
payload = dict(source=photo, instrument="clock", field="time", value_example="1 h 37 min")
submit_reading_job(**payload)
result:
4 h 50 min
